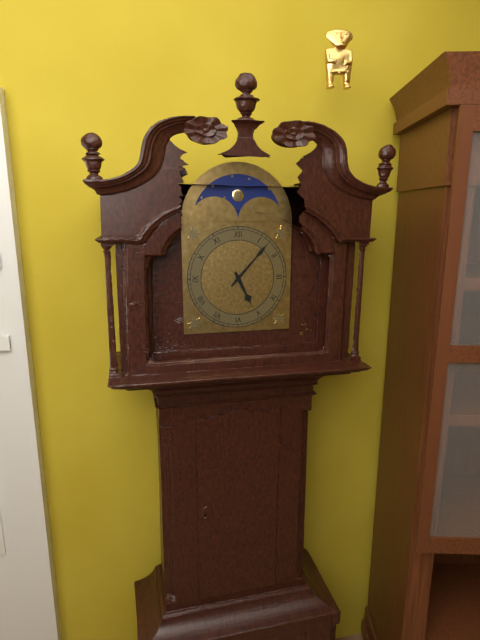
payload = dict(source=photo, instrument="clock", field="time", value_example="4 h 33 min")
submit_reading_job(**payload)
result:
5 h 07 min
